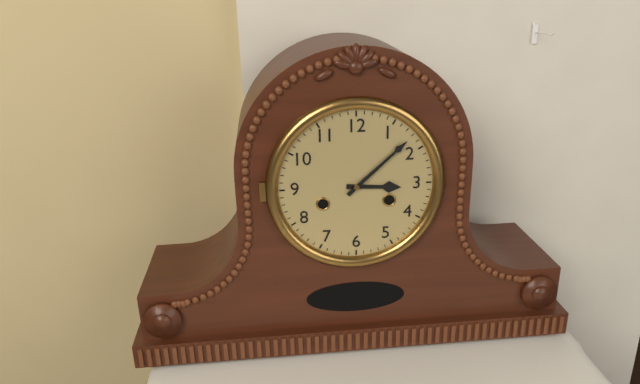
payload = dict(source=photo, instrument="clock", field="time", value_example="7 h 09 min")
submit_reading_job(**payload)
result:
3 h 08 min
